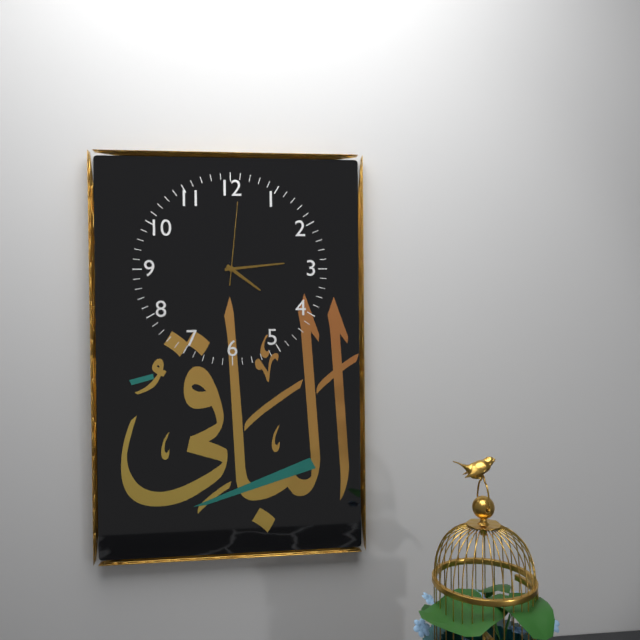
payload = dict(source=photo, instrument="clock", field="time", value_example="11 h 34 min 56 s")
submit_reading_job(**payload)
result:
4 h 14 min 01 s
